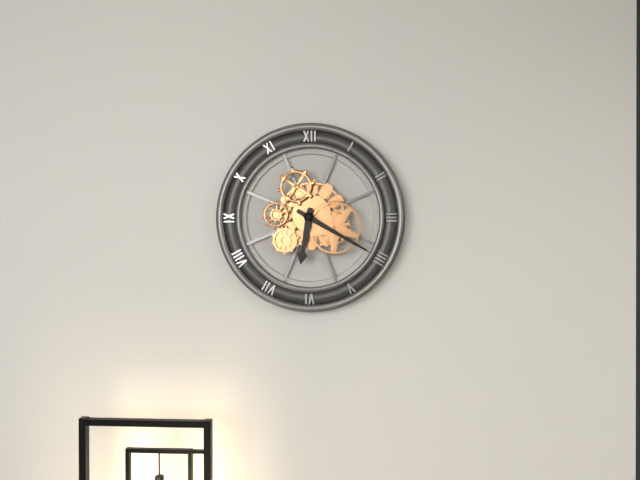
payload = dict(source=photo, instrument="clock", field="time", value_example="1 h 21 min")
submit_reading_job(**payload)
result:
6 h 20 min
